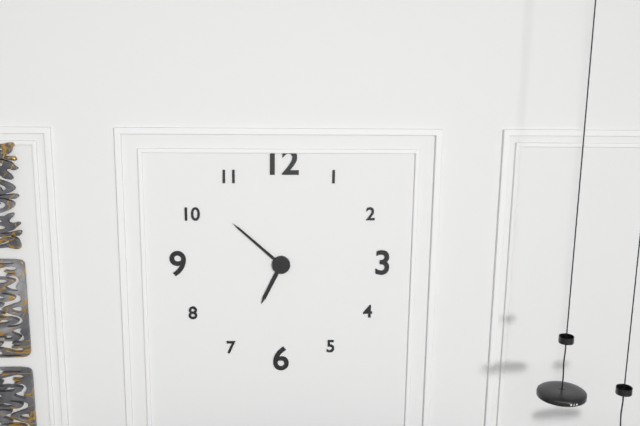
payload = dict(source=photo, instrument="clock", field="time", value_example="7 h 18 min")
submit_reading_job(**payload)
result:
6 h 52 min
